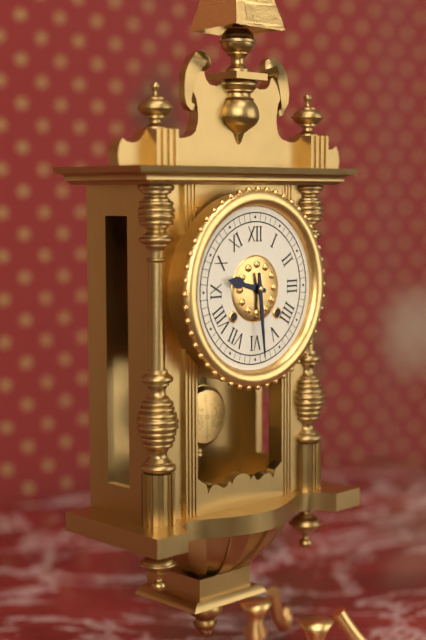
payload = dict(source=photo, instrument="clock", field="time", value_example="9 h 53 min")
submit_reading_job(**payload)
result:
9 h 29 min
